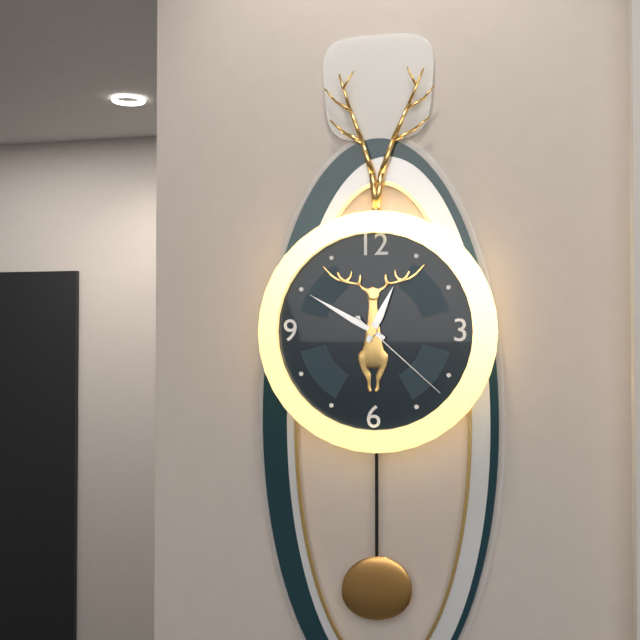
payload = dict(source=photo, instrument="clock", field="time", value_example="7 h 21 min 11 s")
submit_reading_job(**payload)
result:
12 h 50 min 22 s
